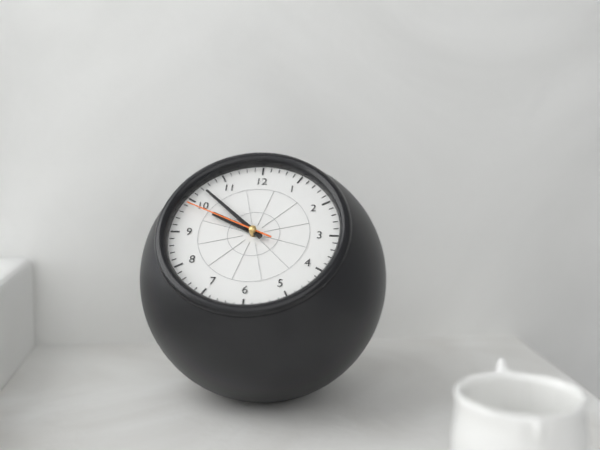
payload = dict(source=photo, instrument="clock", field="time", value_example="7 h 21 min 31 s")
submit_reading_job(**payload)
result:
9 h 52 min 49 s
